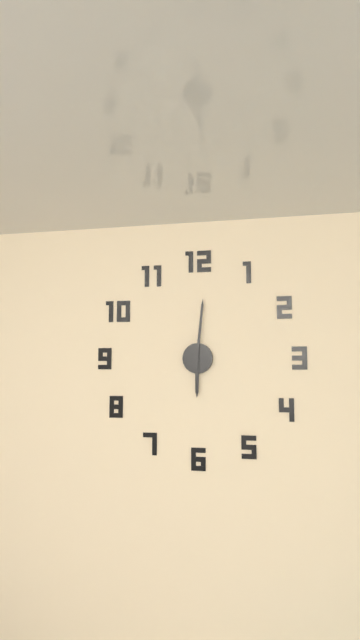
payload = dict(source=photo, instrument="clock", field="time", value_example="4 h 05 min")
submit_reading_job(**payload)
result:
6 h 01 min
